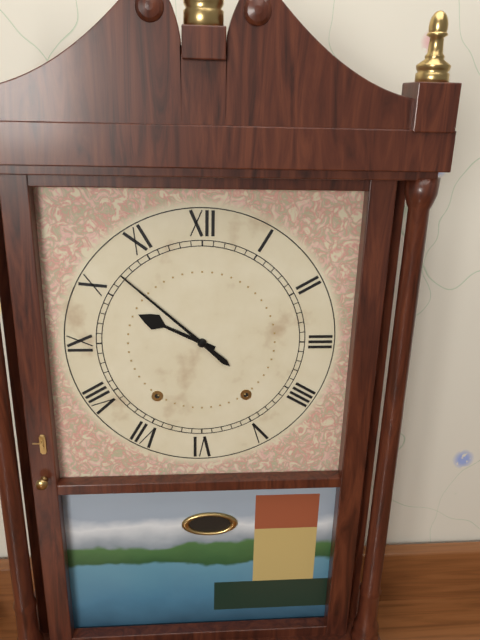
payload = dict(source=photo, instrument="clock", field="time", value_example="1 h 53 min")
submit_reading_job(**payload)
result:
9 h 52 min
